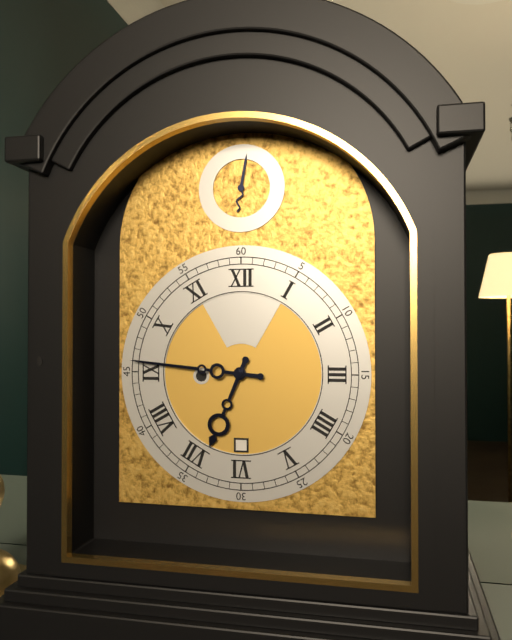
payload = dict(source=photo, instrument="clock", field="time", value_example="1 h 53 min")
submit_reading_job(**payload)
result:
6 h 46 min
